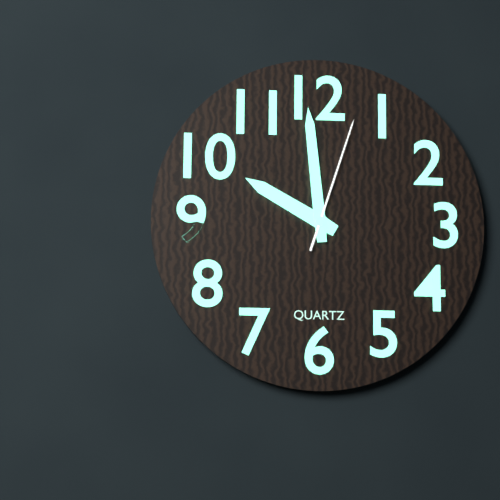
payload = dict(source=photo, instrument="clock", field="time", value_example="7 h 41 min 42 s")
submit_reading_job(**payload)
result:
9 h 59 min 03 s
